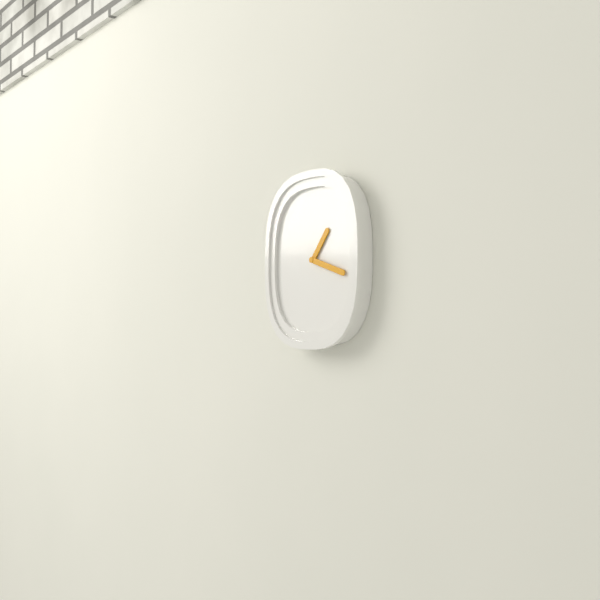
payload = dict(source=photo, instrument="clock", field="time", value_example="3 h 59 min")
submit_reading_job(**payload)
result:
1 h 18 min
